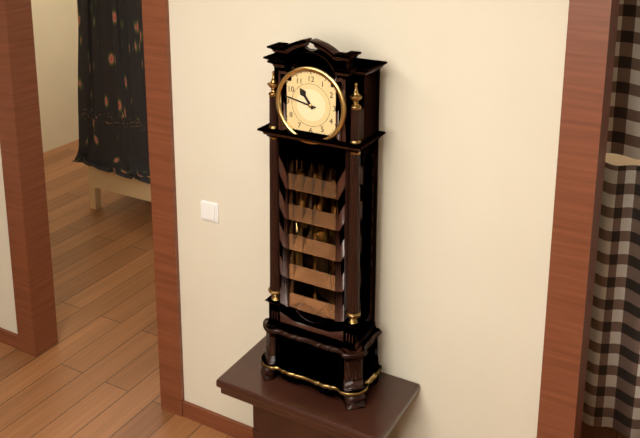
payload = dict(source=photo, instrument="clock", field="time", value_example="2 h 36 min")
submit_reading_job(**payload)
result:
10 h 47 min
